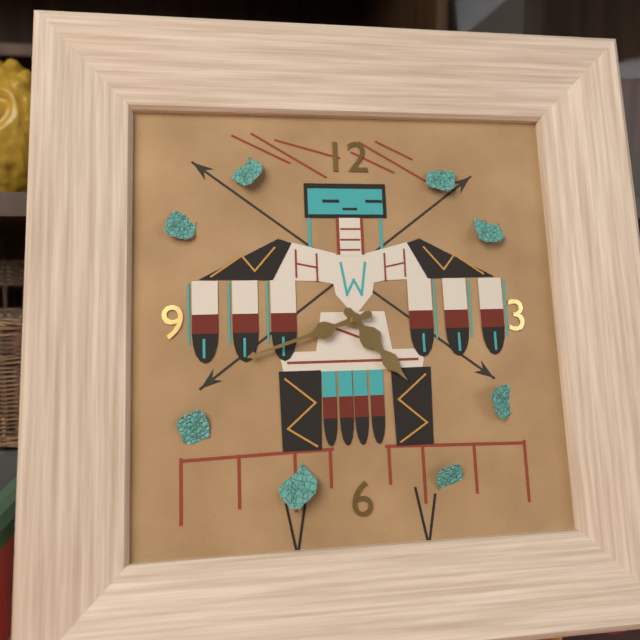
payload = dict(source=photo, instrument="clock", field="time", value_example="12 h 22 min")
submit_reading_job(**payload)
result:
4 h 42 min
